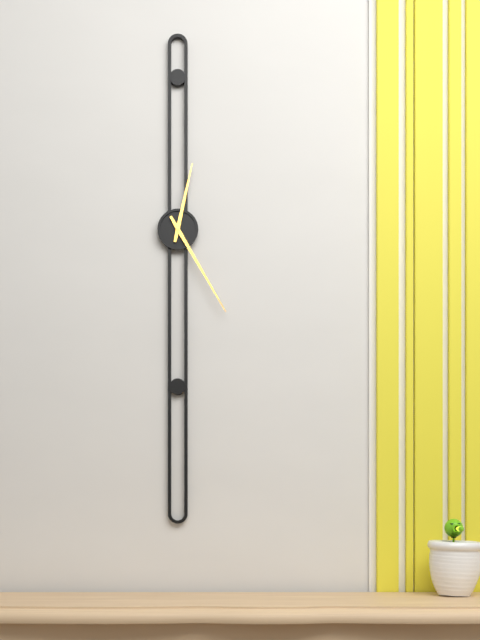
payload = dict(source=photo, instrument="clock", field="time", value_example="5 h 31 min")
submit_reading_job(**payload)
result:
12 h 25 min
